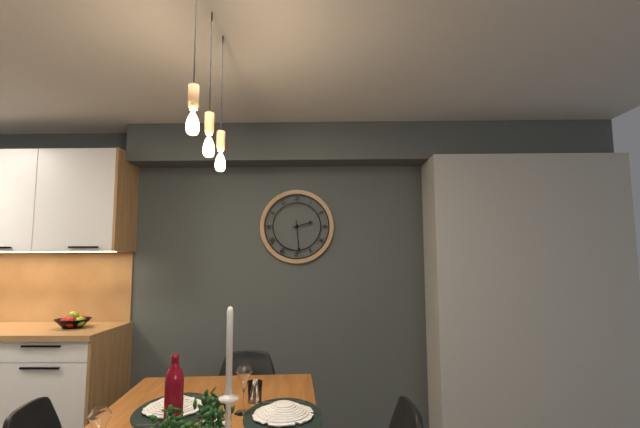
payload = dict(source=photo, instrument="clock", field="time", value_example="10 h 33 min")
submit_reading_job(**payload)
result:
2 h 29 min
